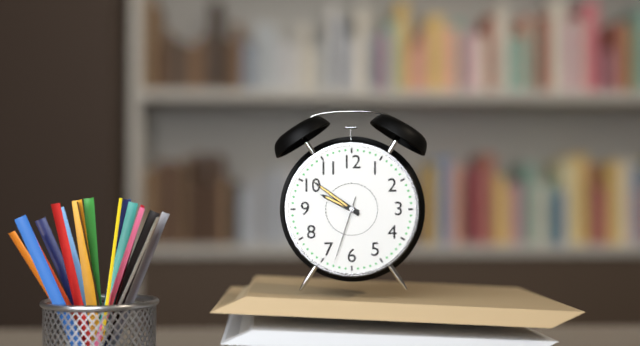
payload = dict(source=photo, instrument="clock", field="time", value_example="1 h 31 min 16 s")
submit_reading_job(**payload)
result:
9 h 51 min 33 s
